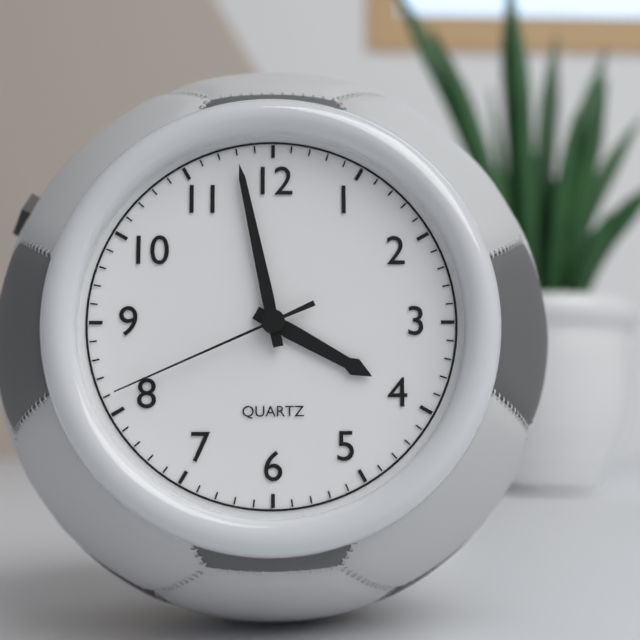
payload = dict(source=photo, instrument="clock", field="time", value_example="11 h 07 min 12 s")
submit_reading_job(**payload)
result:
3 h 58 min 41 s
